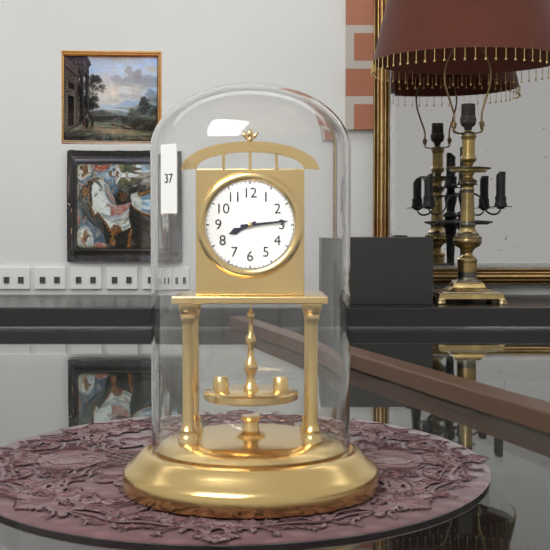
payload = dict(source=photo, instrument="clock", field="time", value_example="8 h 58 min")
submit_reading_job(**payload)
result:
8 h 14 min
